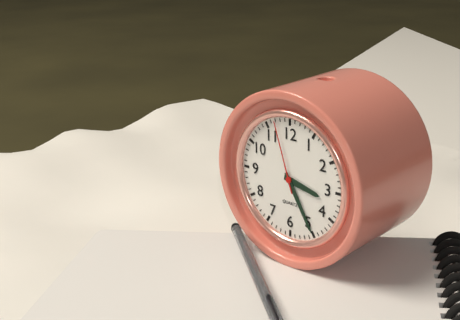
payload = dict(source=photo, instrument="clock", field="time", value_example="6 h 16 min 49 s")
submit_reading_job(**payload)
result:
3 h 25 min 57 s
